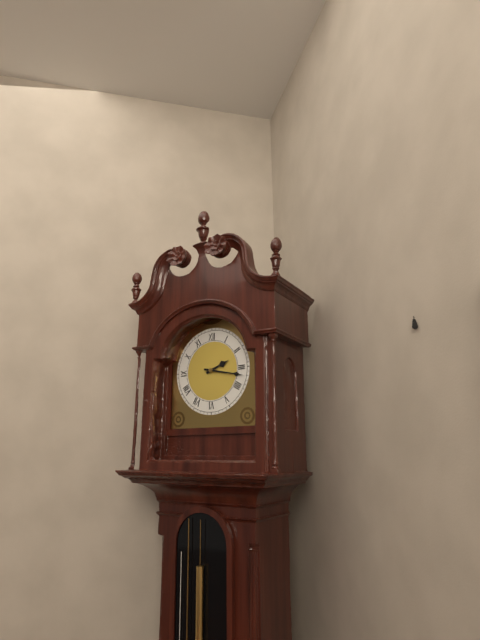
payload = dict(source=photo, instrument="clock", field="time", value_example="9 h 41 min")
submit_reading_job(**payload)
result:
2 h 17 min
